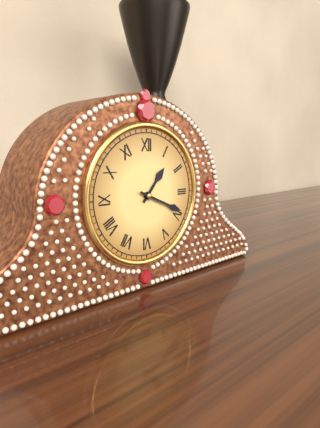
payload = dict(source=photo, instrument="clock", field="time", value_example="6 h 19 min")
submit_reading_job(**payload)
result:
1 h 19 min
